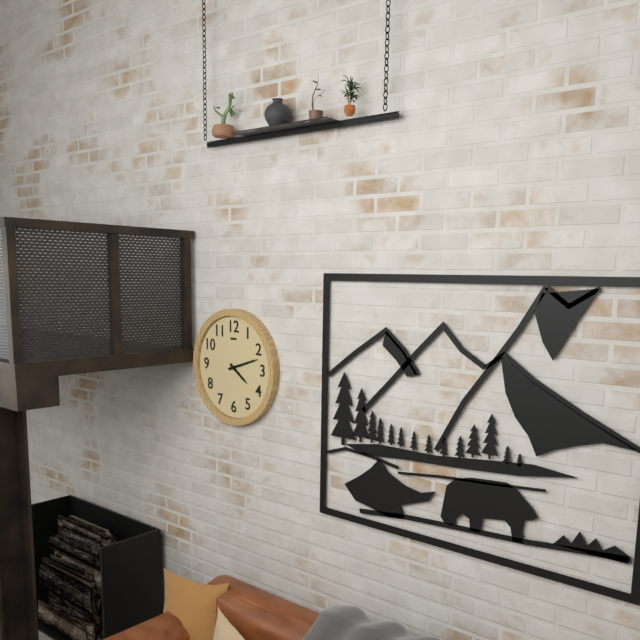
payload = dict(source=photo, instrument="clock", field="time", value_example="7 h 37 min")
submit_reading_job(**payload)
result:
4 h 12 min
